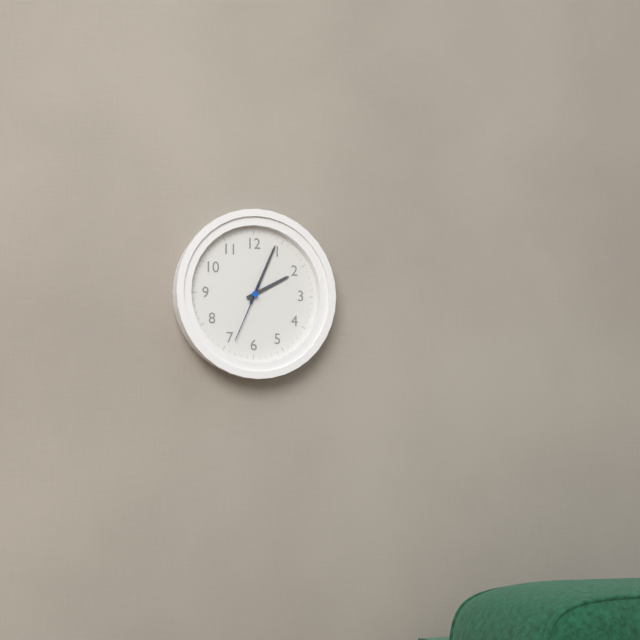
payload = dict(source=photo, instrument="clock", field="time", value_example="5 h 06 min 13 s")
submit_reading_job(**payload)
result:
2 h 04 min 34 s
